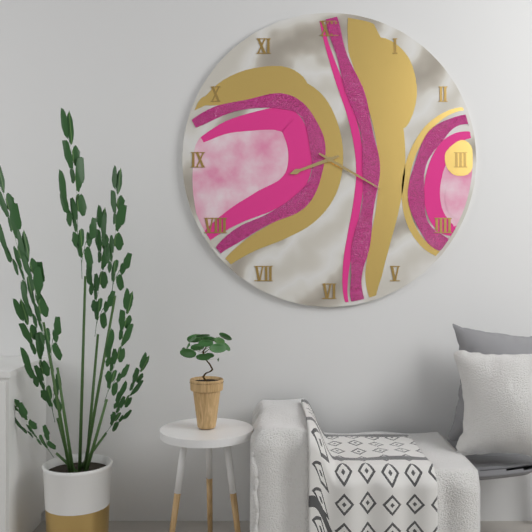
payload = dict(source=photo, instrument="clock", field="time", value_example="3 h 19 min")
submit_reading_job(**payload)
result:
8 h 20 min
